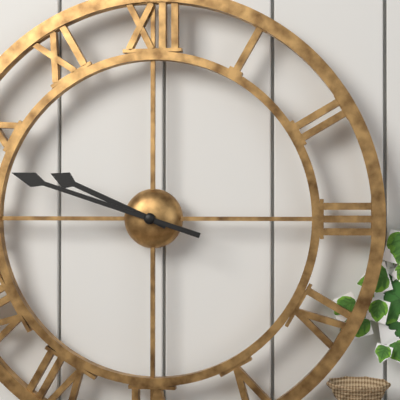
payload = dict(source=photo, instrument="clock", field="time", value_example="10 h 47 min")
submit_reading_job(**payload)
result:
9 h 48 min
